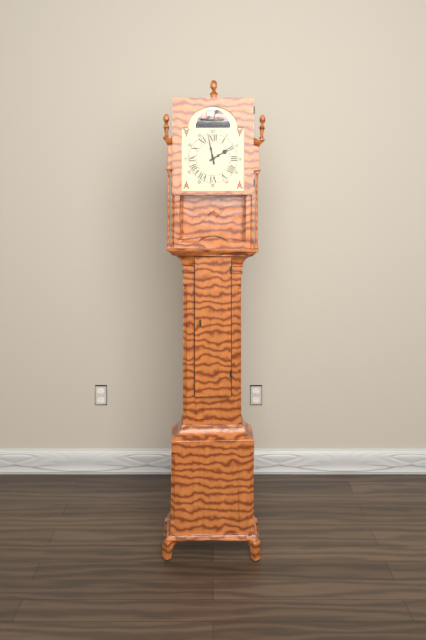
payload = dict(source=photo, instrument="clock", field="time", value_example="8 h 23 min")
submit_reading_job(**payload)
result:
1 h 58 min
